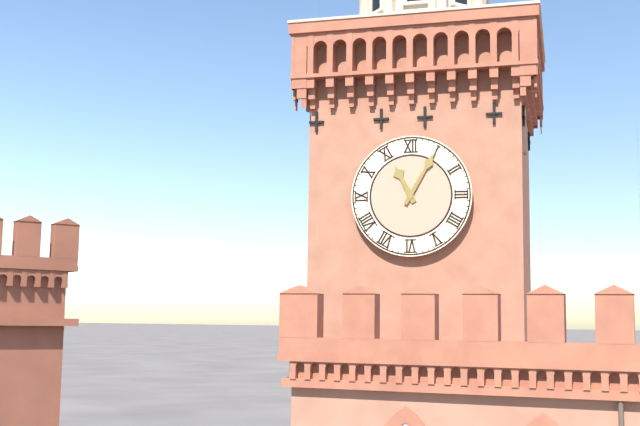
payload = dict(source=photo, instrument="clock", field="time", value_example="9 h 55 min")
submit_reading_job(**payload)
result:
11 h 05 min
